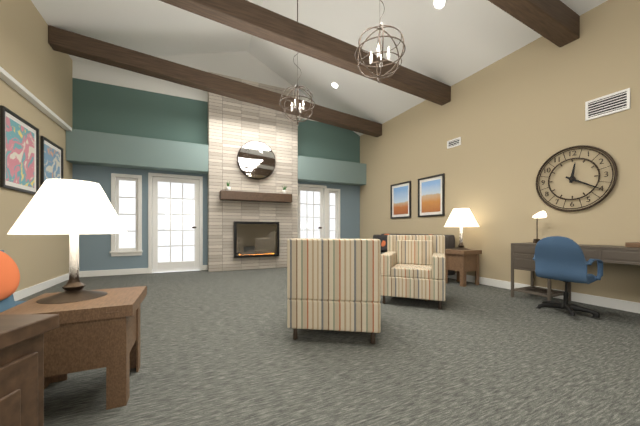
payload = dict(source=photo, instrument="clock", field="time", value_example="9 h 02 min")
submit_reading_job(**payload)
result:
12 h 20 min
